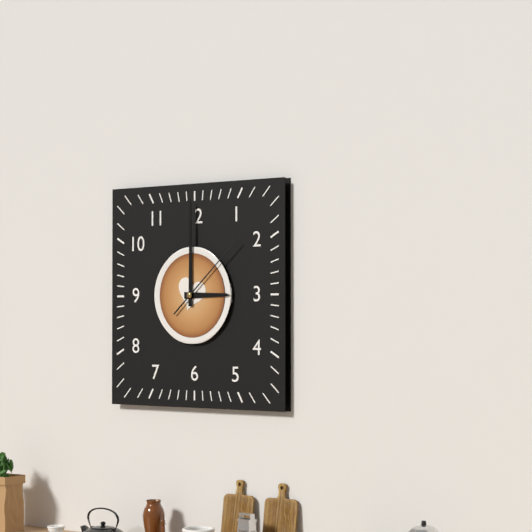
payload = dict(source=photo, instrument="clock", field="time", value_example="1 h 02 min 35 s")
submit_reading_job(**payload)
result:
3 h 00 min 08 s
